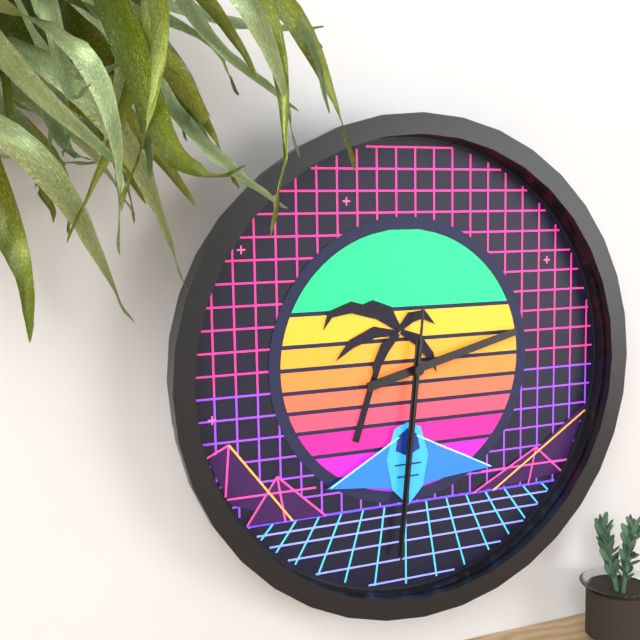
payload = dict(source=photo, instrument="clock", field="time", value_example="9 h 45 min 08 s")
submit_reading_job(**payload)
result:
2 h 31 min 31 s
